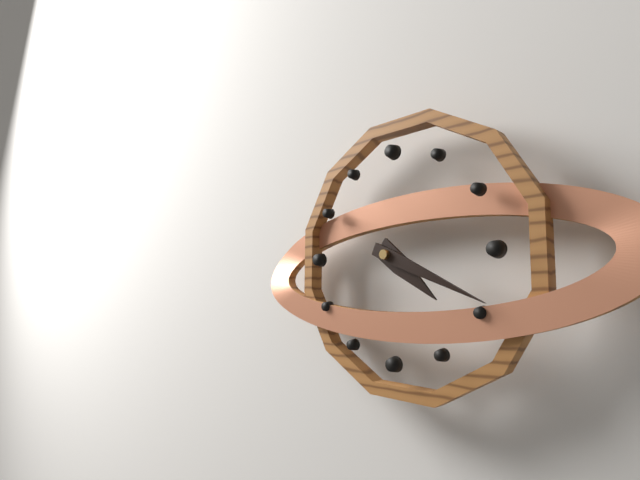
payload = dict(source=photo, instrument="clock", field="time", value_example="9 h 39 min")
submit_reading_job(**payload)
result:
4 h 19 min
